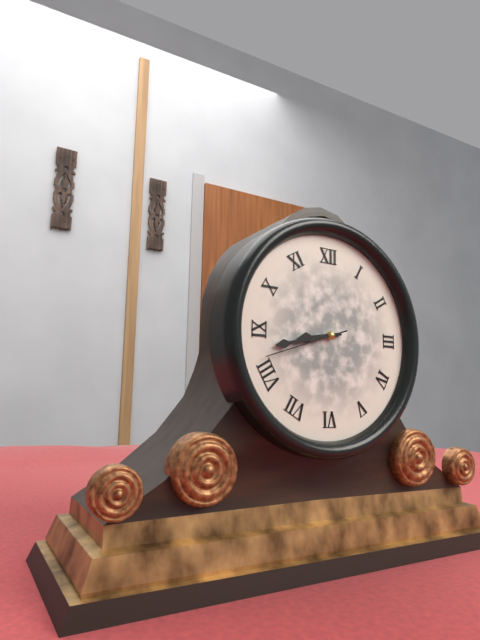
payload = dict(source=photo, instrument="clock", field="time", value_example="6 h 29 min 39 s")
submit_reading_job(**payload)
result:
8 h 43 min 42 s
